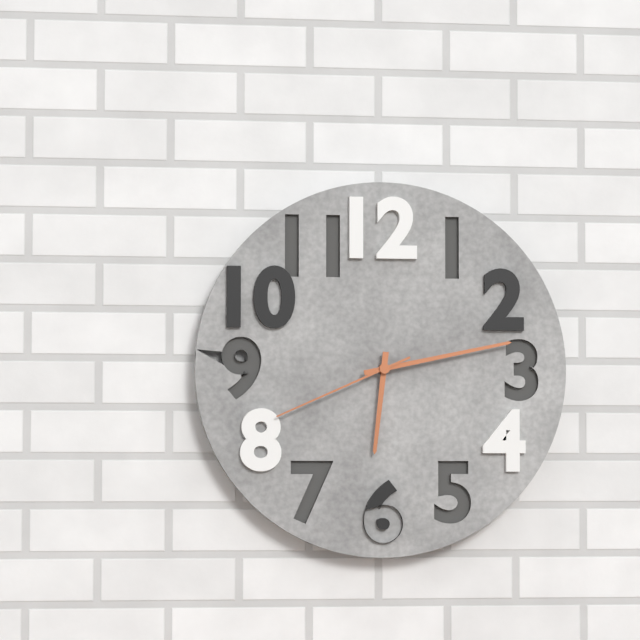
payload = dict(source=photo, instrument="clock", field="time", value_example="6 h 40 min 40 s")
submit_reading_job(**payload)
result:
6 h 13 min 41 s
